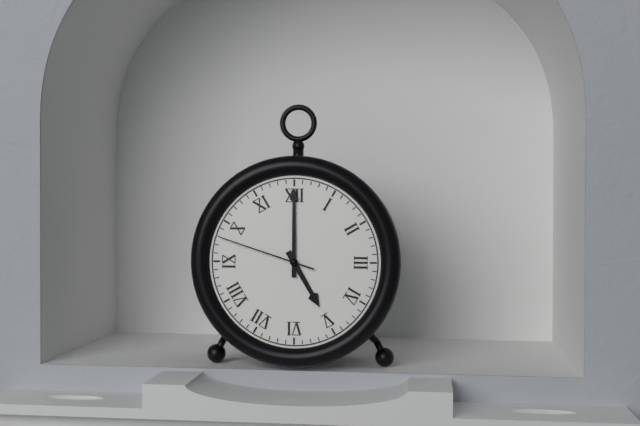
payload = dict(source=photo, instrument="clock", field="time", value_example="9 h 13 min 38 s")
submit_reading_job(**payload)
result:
5 h 00 min 48 s
